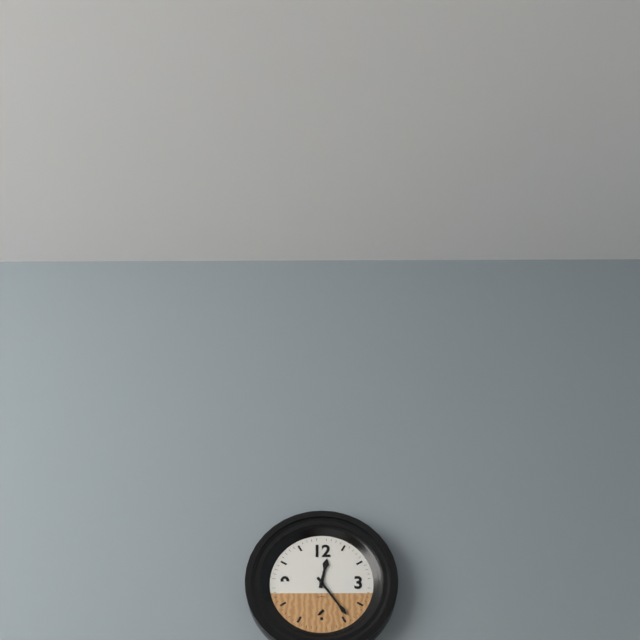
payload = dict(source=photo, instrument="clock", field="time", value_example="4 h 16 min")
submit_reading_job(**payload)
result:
12 h 24 min
